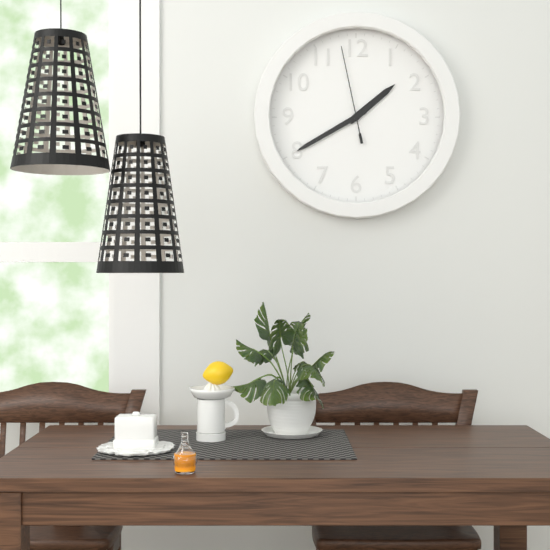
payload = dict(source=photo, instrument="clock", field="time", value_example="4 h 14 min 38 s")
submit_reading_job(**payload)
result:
1 h 40 min 58 s
